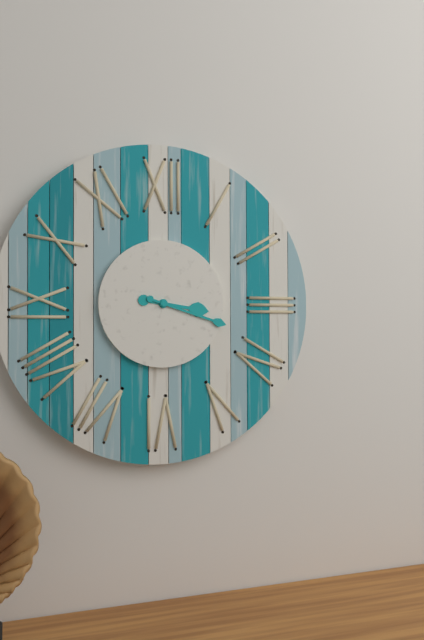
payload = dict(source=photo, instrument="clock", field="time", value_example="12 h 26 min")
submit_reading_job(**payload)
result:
3 h 18 min
